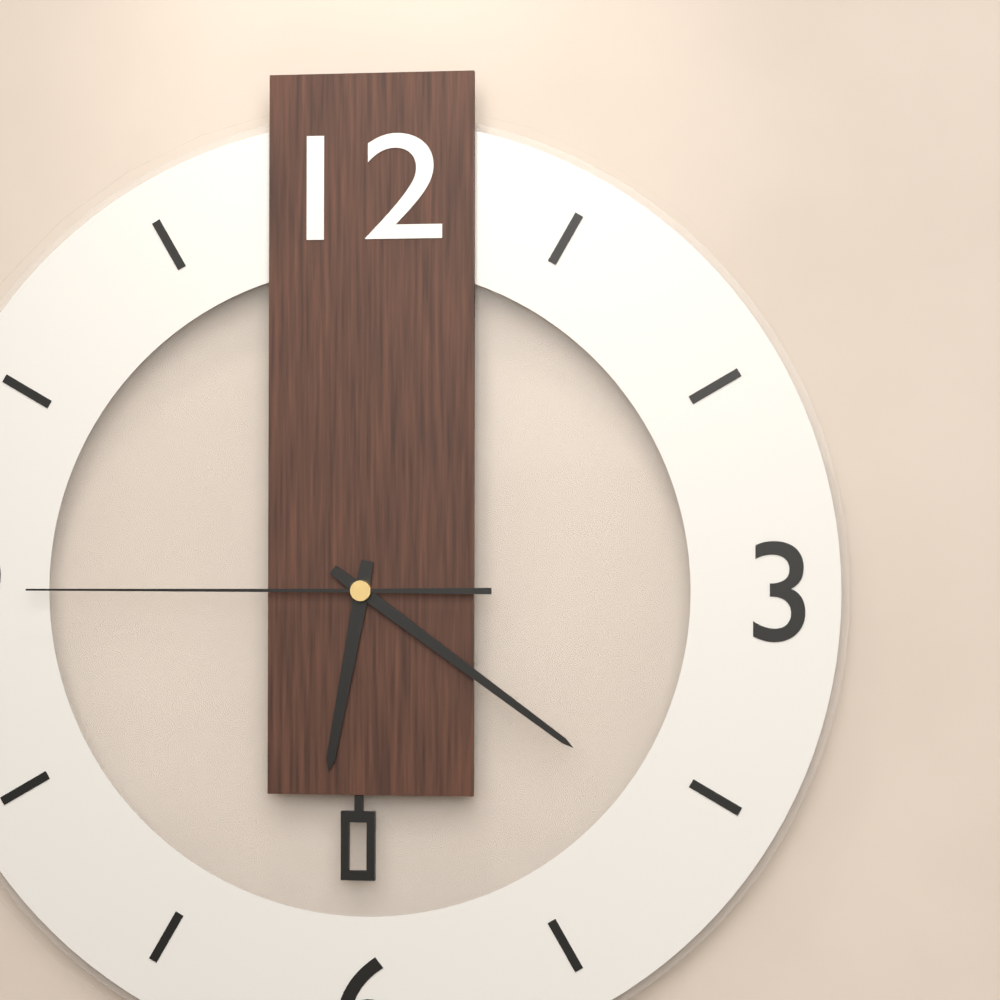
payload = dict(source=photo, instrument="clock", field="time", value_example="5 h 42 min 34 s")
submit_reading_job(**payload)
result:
6 h 21 min 45 s
